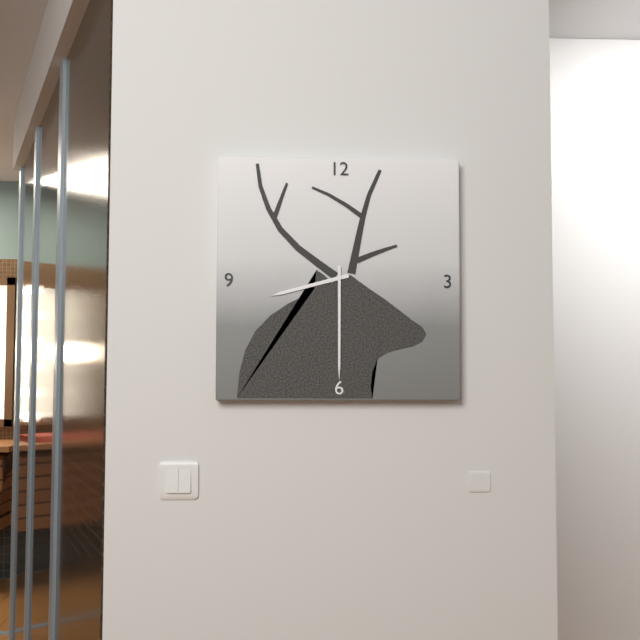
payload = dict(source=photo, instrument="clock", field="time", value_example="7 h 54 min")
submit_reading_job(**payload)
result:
8 h 30 min
